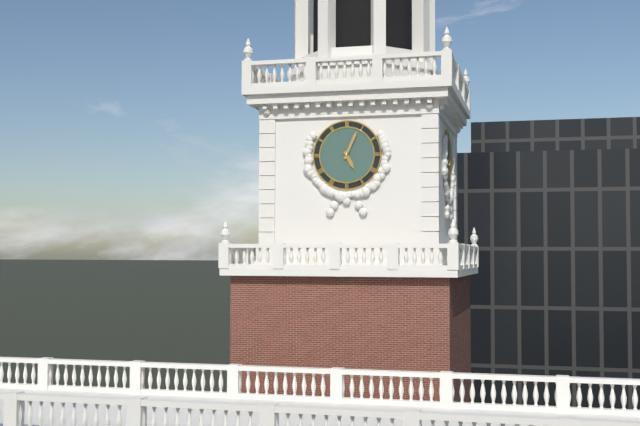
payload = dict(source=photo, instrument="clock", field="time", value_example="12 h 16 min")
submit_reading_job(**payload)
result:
5 h 04 min
